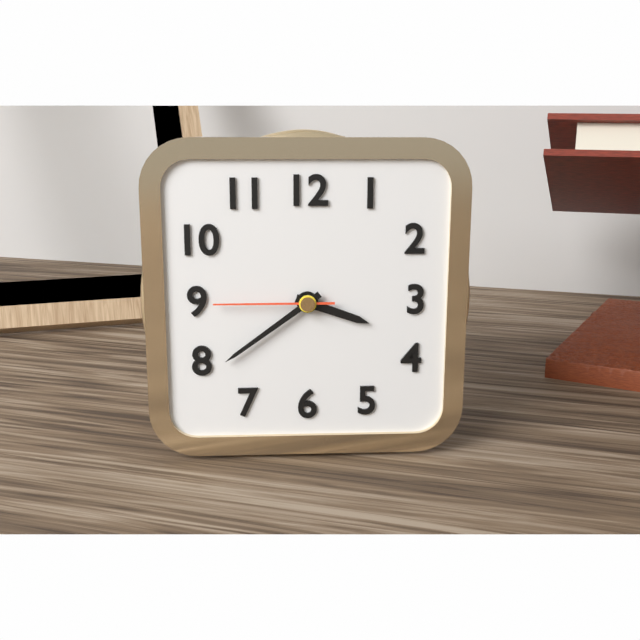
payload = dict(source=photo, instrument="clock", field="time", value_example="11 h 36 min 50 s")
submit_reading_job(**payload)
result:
3 h 39 min 45 s
